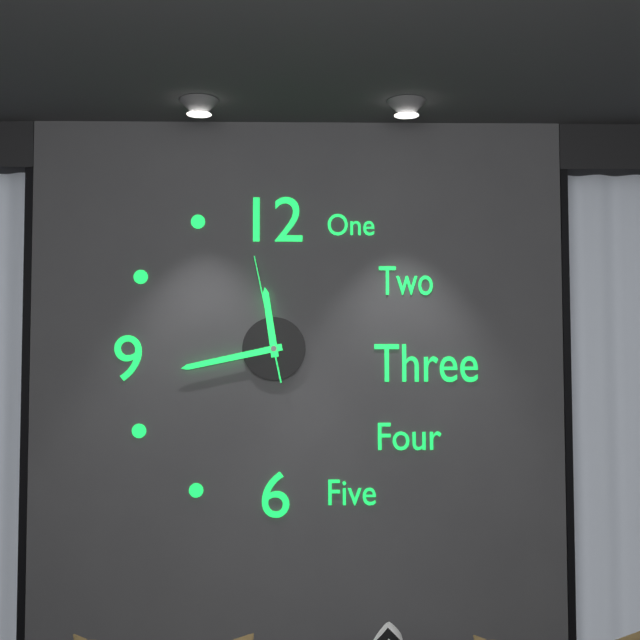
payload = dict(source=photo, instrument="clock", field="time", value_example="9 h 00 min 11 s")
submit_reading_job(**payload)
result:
11 h 43 min 58 s
